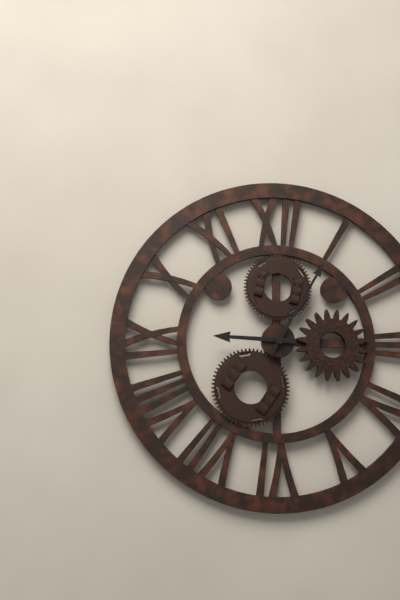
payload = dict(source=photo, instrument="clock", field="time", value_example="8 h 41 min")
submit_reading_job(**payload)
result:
9 h 05 min
